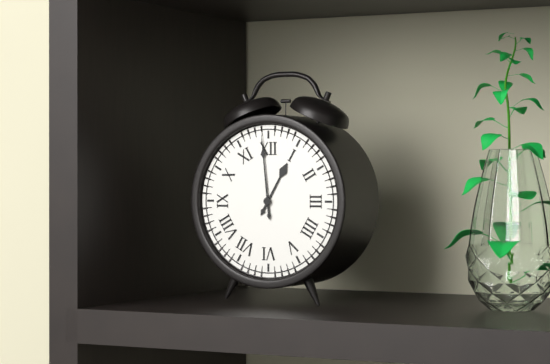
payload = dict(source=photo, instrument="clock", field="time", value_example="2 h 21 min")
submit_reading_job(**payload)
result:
12 h 59 min
